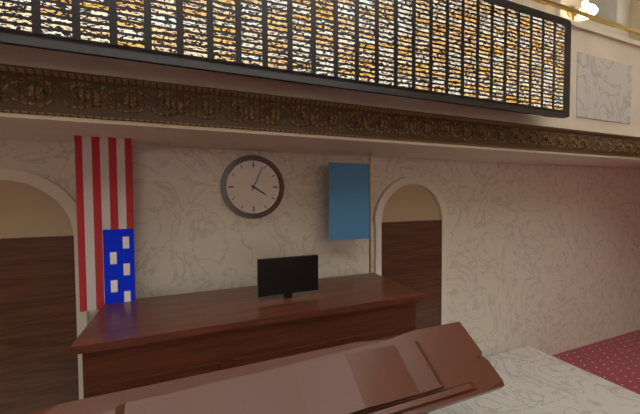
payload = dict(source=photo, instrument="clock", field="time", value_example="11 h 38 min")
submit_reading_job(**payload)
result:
4 h 04 min
